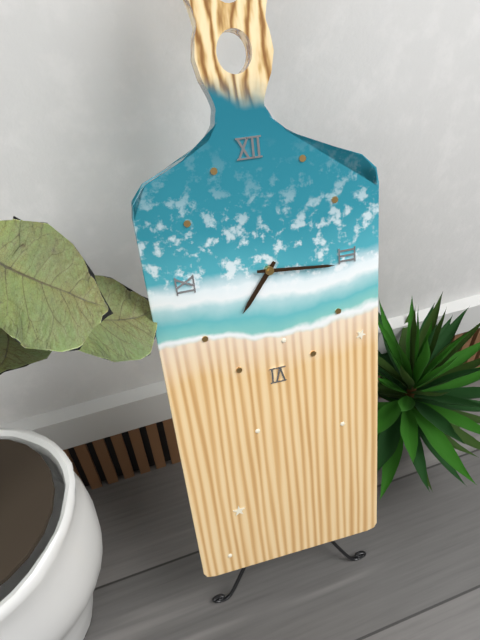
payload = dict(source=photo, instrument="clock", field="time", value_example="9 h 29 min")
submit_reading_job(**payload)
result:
7 h 16 min
